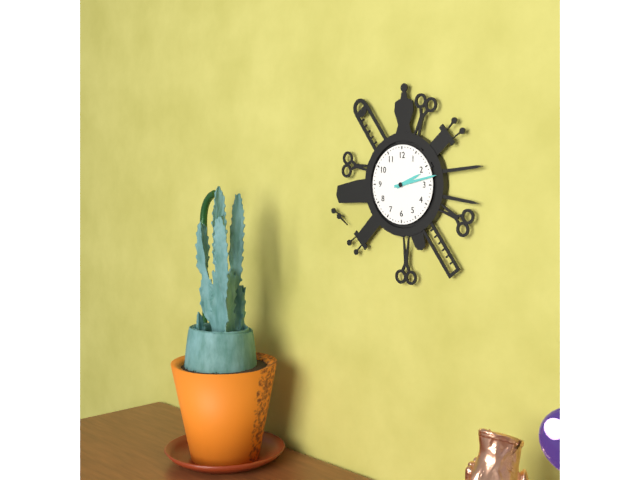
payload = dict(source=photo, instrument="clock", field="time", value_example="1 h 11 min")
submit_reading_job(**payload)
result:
2 h 13 min
